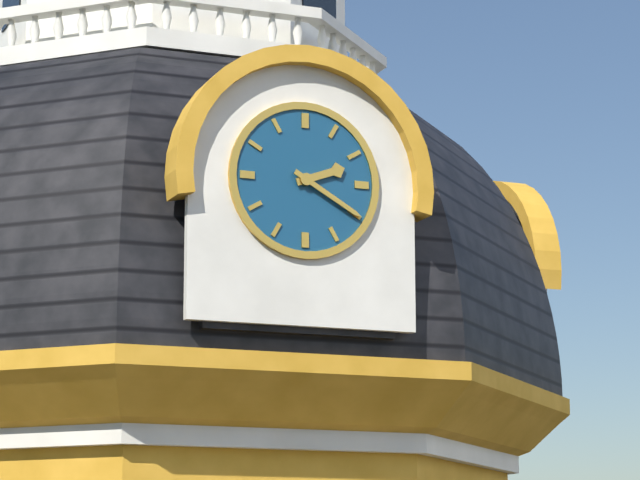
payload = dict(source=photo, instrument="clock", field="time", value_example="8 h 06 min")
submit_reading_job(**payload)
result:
2 h 20 min
